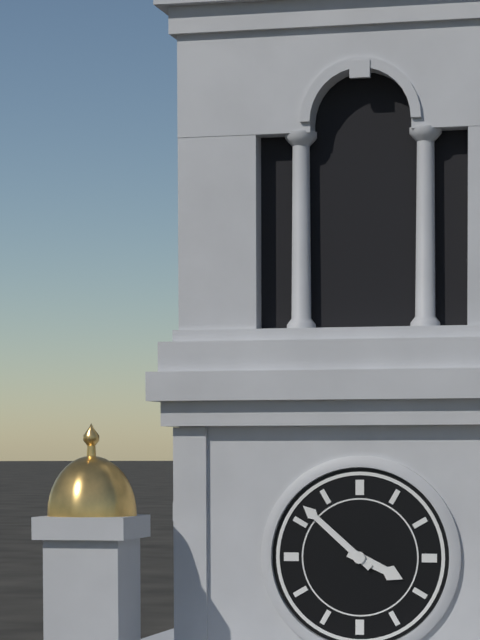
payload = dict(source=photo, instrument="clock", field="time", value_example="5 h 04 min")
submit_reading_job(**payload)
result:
3 h 52 min
